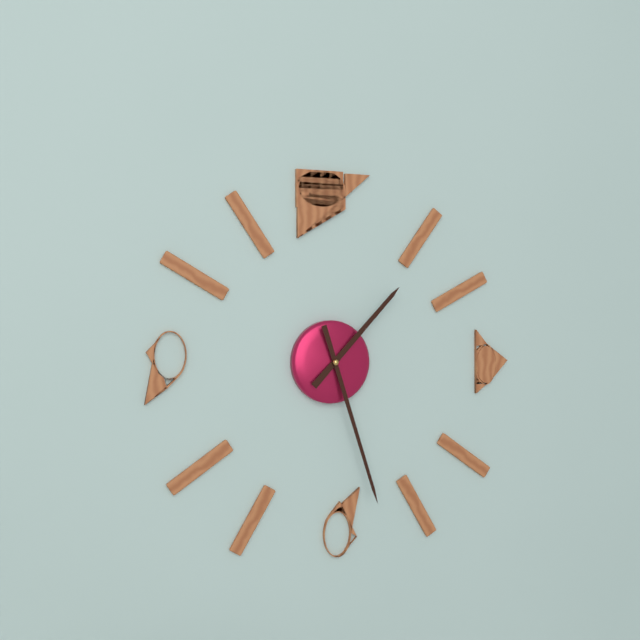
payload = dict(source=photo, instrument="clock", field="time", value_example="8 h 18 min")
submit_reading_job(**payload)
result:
1 h 27 min
